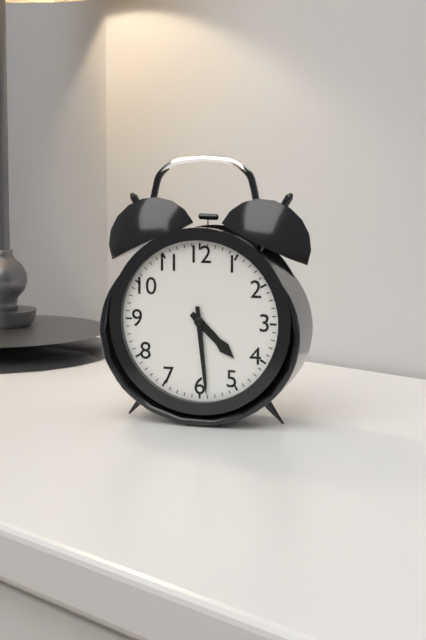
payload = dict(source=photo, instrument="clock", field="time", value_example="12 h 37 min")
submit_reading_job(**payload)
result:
4 h 29 min
